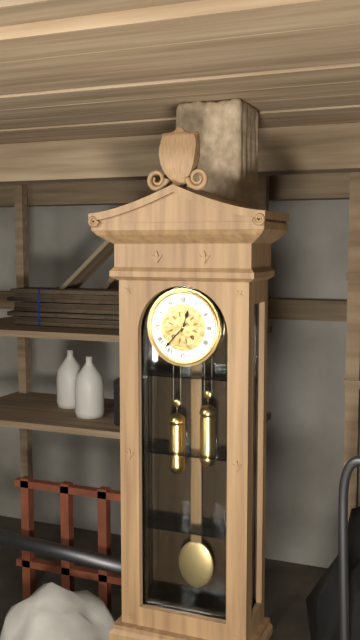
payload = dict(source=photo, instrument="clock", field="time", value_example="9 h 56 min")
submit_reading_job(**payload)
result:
12 h 37 min
